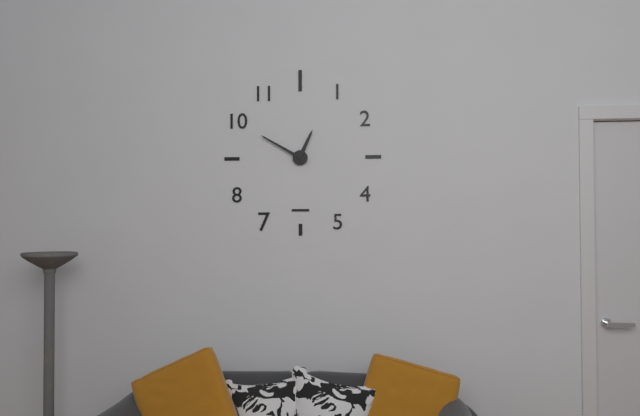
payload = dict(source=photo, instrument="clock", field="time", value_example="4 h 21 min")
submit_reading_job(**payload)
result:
12 h 50 min
